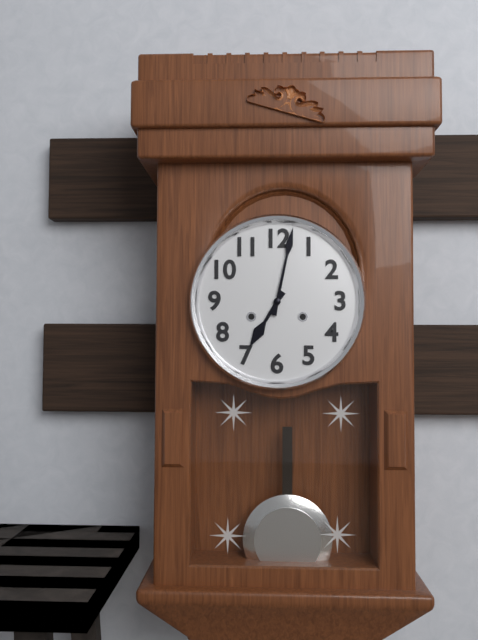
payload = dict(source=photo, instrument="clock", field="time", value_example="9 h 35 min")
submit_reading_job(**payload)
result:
7 h 02 min
